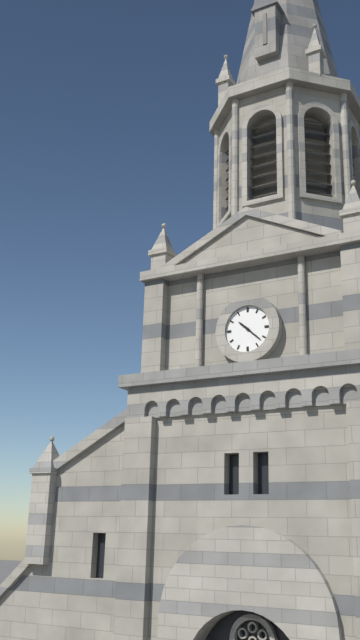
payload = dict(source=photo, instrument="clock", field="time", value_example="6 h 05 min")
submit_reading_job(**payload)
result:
10 h 22 min
